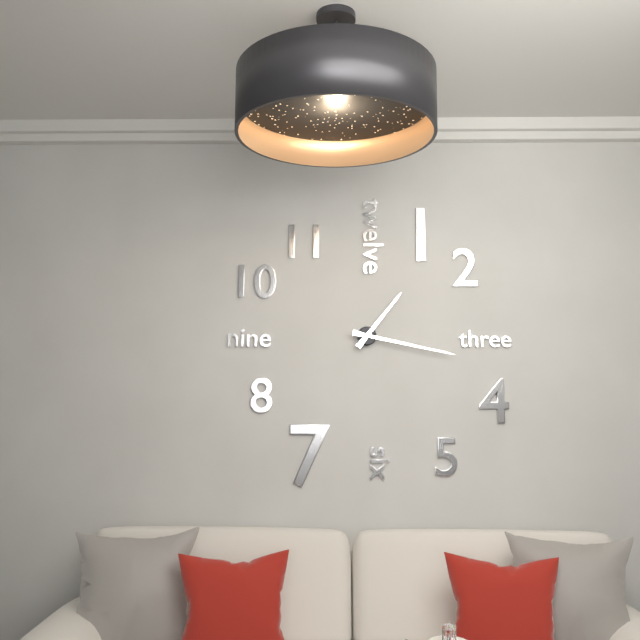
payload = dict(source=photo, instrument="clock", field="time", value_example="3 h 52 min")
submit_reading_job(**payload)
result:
1 h 17 min
